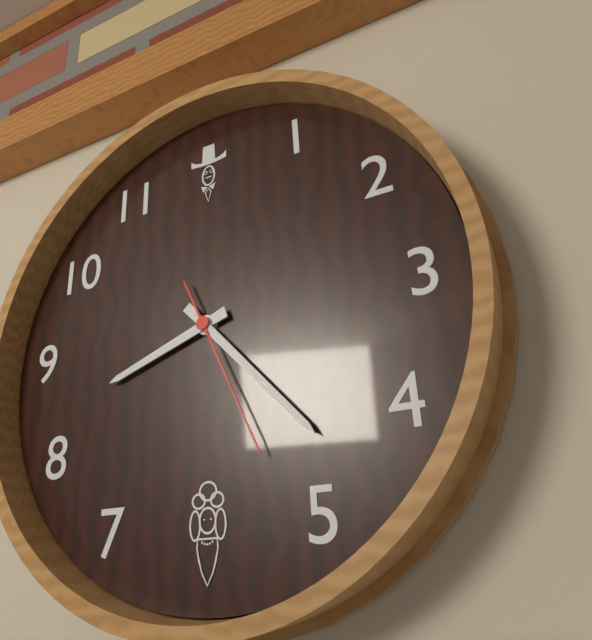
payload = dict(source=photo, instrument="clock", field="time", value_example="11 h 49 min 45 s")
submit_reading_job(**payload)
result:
8 h 23 min 26 s
